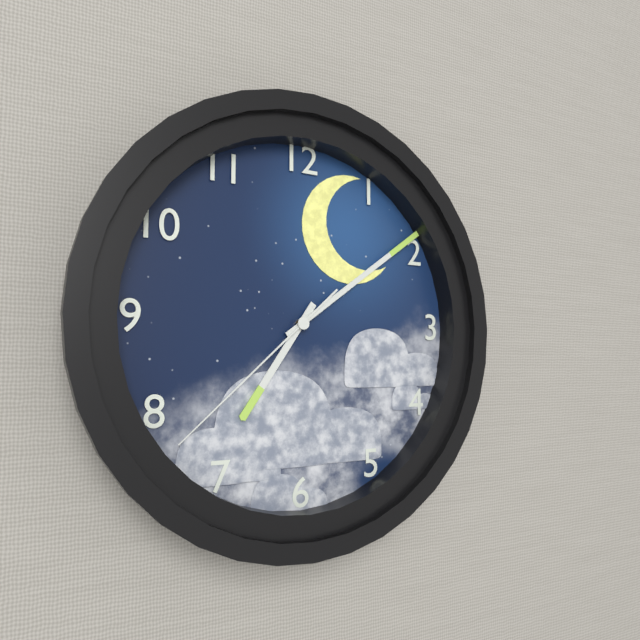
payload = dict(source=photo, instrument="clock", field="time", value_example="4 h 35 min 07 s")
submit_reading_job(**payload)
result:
7 h 09 min 38 s
